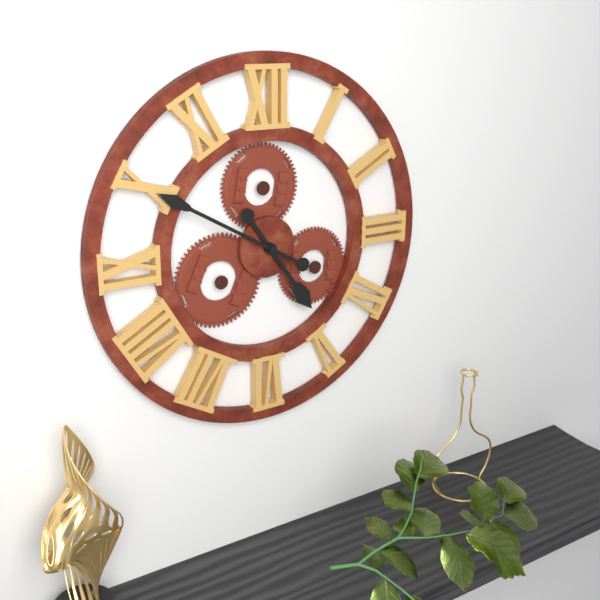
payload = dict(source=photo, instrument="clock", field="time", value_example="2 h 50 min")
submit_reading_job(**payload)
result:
4 h 50 min
